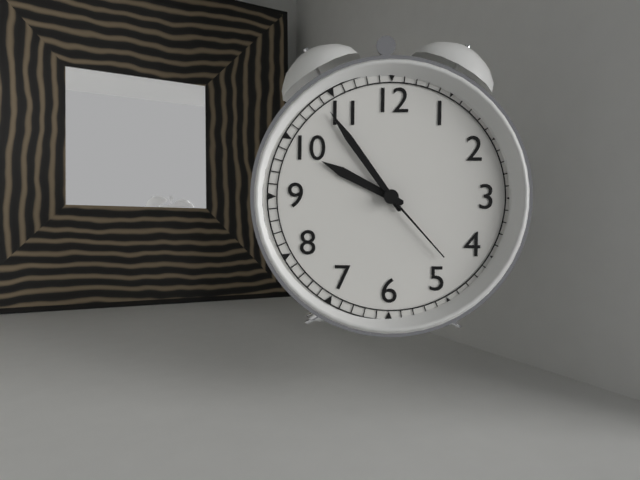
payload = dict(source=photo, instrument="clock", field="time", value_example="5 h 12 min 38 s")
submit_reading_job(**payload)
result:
9 h 54 min 23 s
